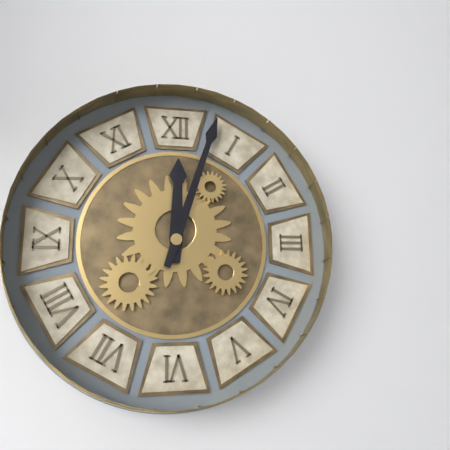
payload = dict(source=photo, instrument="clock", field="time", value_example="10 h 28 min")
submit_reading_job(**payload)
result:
12 h 03 min
